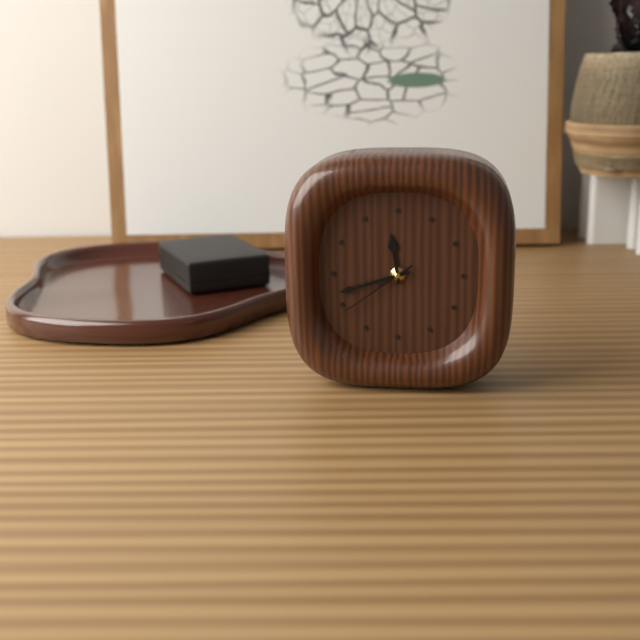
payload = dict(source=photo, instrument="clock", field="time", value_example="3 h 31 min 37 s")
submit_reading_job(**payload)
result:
11 h 42 min 39 s
